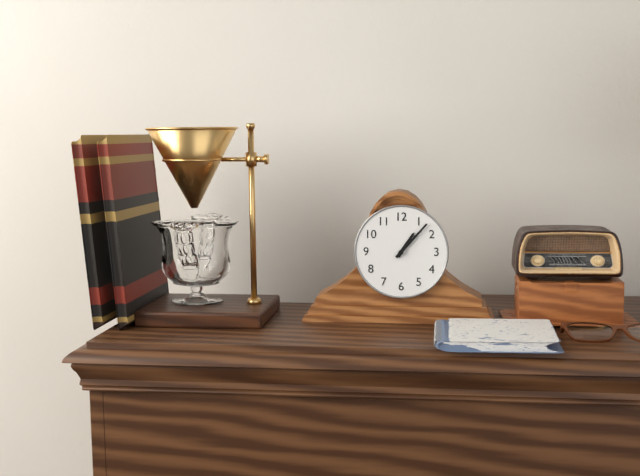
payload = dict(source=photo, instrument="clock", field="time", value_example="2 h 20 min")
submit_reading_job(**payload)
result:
1 h 07 min
